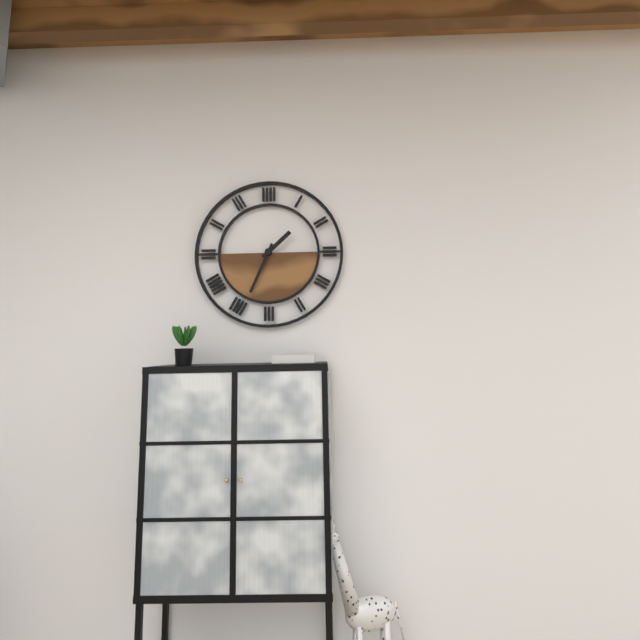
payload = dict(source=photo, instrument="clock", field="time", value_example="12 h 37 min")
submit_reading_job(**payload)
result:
1 h 34 min
